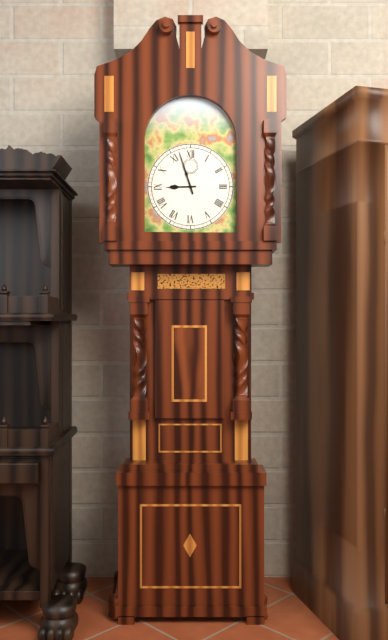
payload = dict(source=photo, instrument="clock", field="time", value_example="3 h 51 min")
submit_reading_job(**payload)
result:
8 h 57 min
